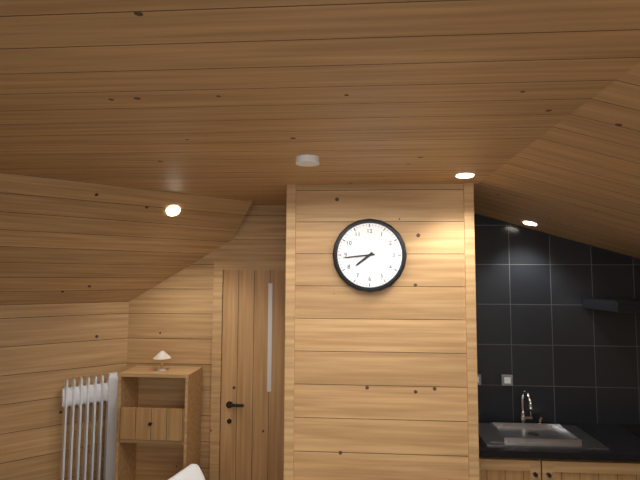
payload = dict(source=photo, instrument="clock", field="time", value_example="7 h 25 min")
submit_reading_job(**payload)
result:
7 h 44 min
